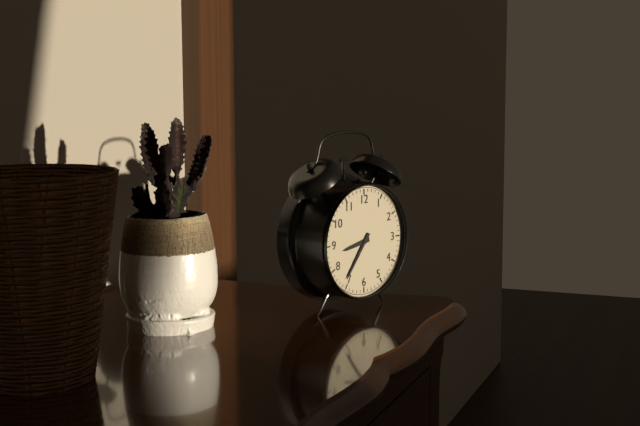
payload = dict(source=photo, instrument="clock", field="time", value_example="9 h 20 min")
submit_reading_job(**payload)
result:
8 h 36 min
